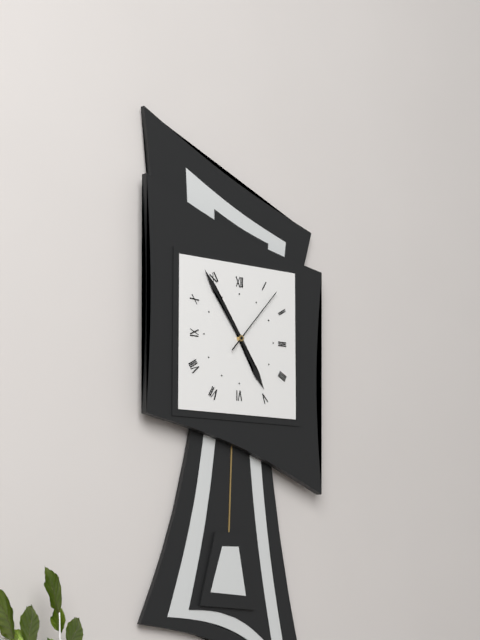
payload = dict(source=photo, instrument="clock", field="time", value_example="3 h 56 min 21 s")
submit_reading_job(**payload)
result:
4 h 54 min 07 s
